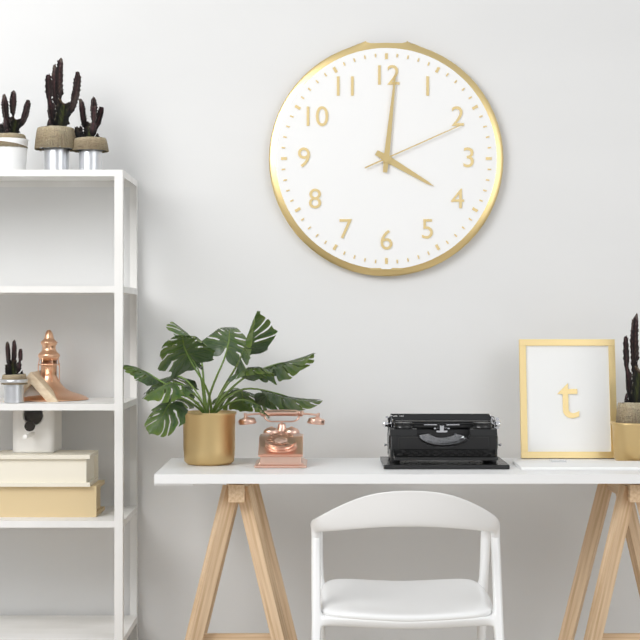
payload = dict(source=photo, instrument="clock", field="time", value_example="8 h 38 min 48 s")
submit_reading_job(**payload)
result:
4 h 01 min 11 s
